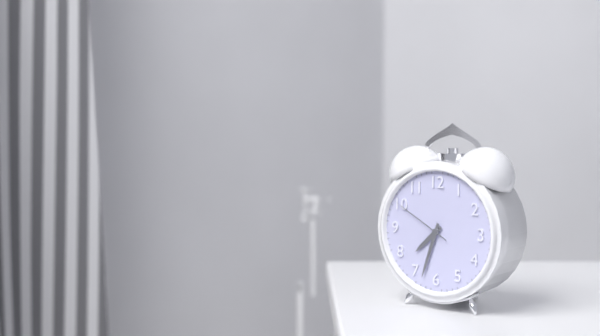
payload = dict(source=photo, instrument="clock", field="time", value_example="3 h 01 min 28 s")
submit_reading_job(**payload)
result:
7 h 33 min 50 s
